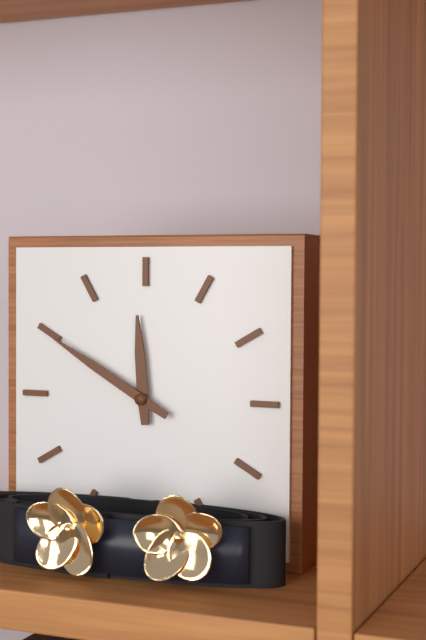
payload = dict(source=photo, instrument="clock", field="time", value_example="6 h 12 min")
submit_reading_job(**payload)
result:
11 h 50 min
